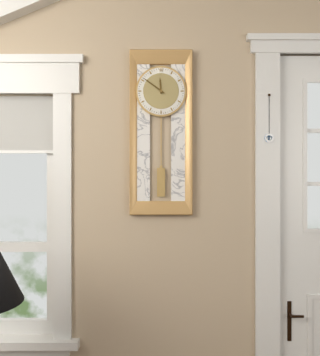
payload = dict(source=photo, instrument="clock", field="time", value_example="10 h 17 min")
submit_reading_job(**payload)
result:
11 h 51 min
